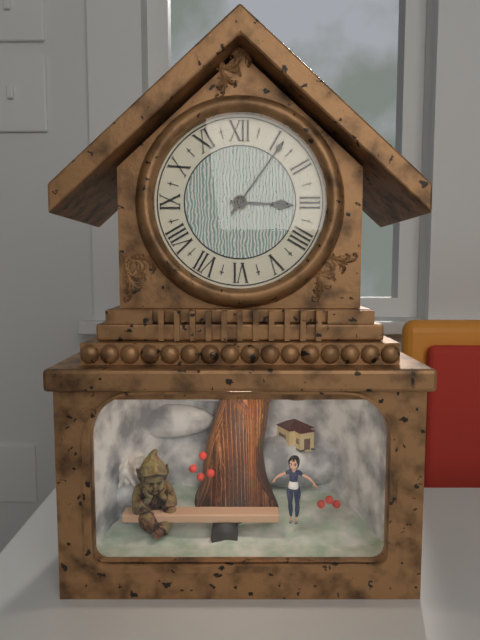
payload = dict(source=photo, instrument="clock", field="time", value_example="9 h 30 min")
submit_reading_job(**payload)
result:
3 h 06 min
